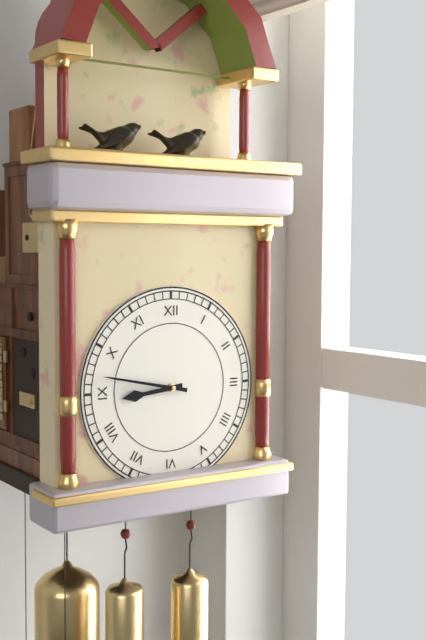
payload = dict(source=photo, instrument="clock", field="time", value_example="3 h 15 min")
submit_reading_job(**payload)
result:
8 h 47 min
